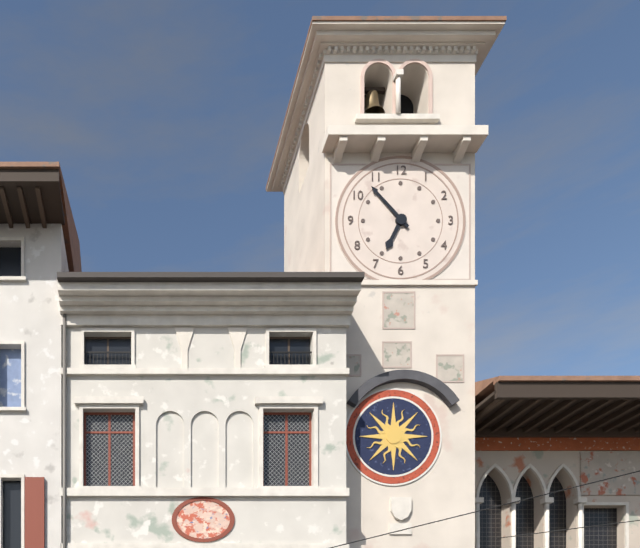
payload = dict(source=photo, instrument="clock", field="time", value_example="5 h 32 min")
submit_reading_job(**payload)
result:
6 h 53 min
